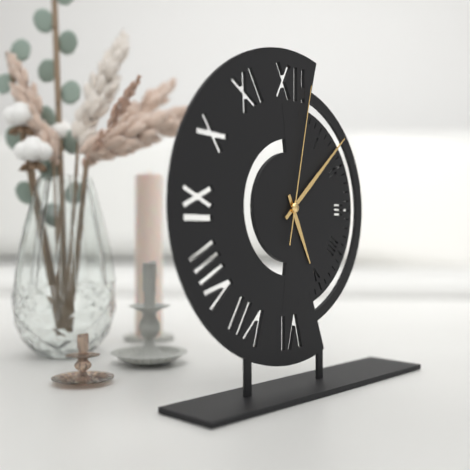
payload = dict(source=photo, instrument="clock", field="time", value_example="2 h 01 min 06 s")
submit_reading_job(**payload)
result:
5 h 08 min 02 s
